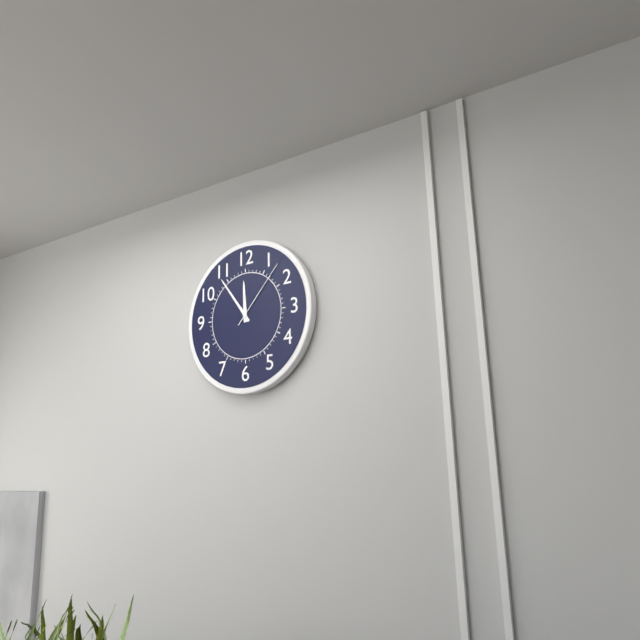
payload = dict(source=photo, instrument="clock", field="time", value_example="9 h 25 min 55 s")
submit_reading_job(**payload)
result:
11 h 54 min 07 s
